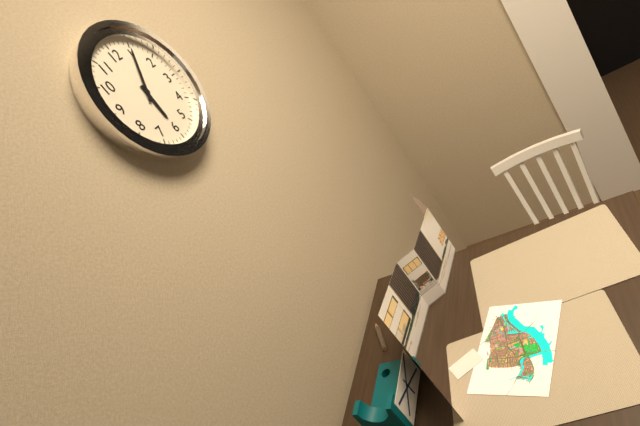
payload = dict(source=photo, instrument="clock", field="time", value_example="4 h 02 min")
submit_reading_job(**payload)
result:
6 h 05 min
